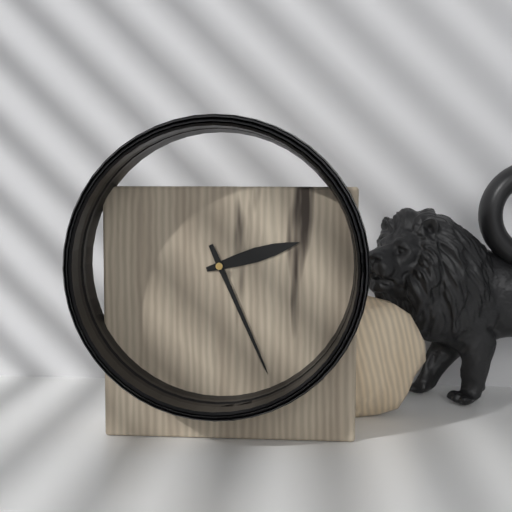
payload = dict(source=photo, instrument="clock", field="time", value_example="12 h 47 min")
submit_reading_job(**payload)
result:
2 h 26 min
